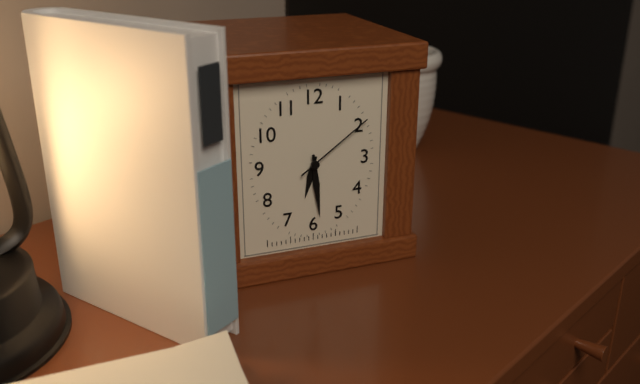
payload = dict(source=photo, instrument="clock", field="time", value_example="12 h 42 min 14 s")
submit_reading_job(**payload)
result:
6 h 29 min 09 s
